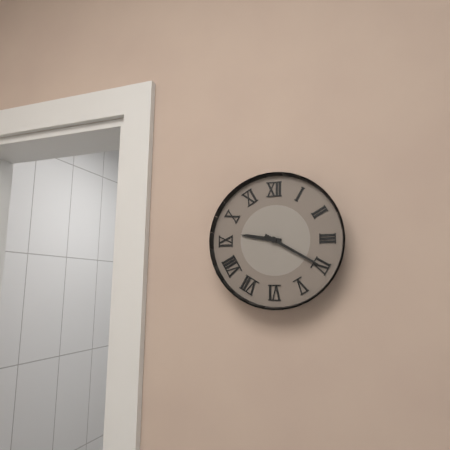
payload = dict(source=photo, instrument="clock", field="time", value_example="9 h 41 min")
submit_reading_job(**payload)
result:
9 h 20 min
